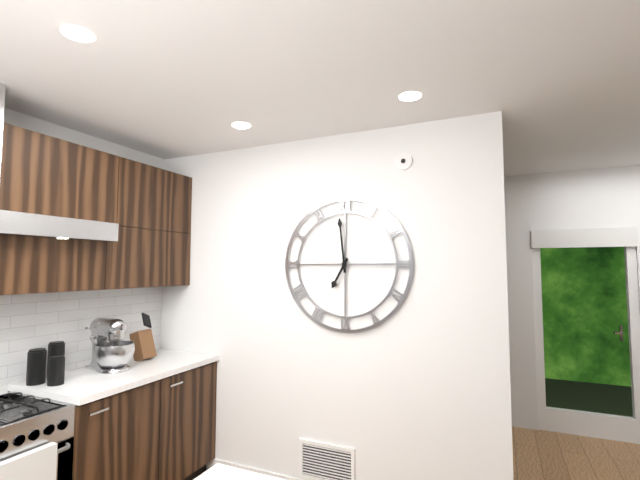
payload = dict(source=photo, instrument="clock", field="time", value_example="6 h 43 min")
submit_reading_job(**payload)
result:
6 h 59 min
